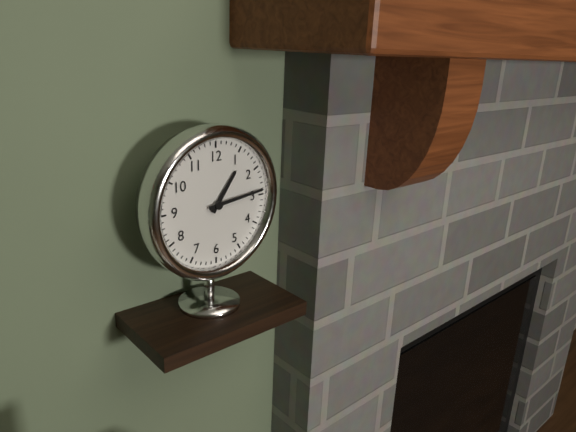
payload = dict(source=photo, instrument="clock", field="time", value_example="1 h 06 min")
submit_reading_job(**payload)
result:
1 h 14 min
